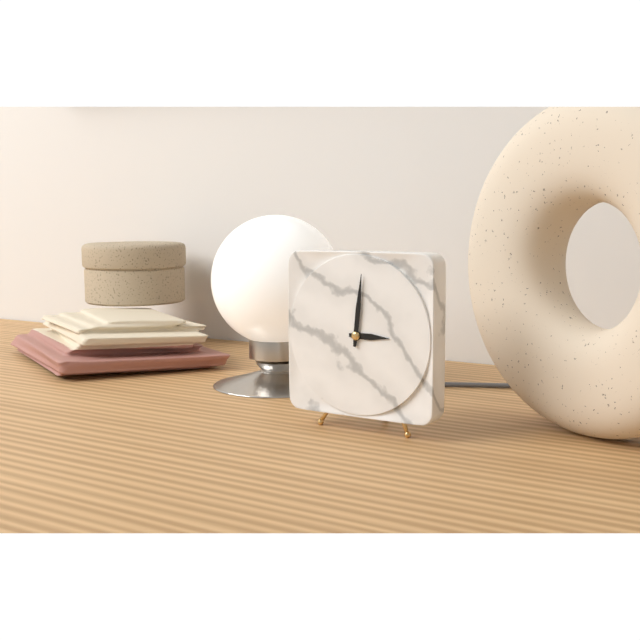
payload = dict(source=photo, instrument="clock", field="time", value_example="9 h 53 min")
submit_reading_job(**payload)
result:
3 h 01 min
